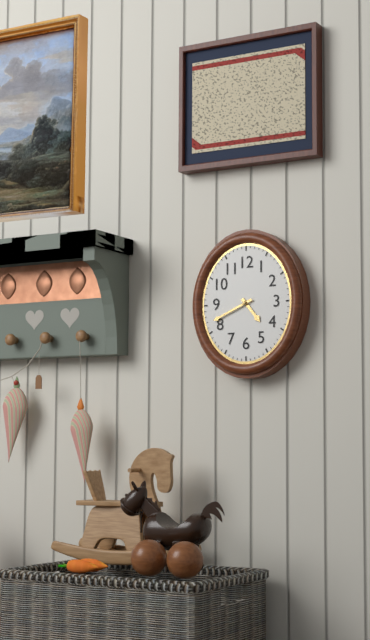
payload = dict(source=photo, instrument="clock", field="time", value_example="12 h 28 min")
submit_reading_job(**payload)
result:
4 h 41 min
